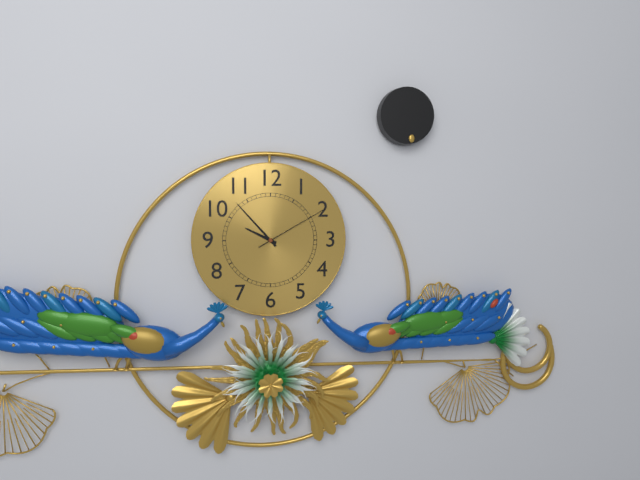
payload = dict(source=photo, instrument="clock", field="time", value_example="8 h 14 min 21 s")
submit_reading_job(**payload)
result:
9 h 53 min 10 s
